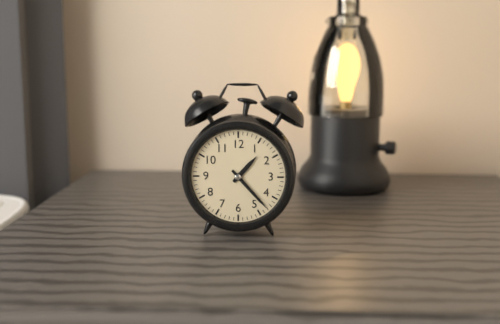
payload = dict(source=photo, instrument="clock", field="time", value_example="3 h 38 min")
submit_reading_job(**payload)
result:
1 h 23 min
